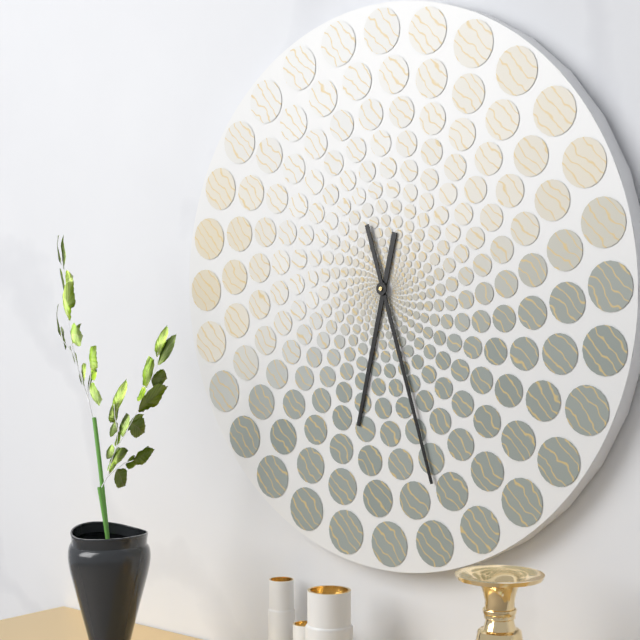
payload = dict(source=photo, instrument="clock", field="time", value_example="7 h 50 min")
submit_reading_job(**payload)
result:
6 h 27 min
